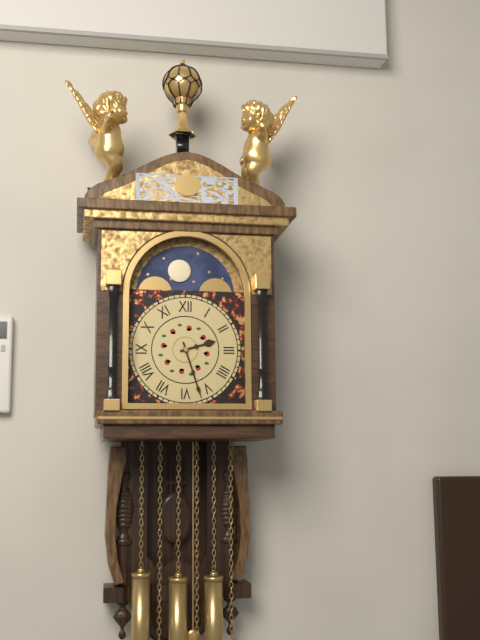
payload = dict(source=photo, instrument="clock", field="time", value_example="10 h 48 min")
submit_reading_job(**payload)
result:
2 h 27 min
